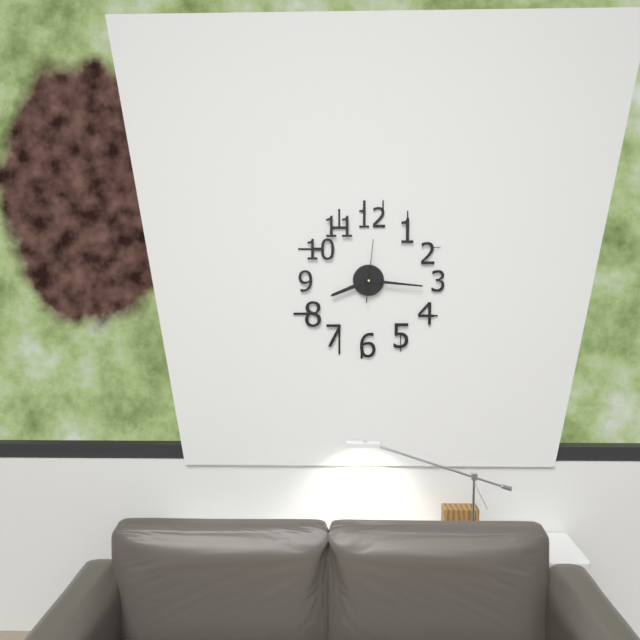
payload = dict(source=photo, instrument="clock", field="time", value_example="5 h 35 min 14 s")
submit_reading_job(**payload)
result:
8 h 16 min 01 s
